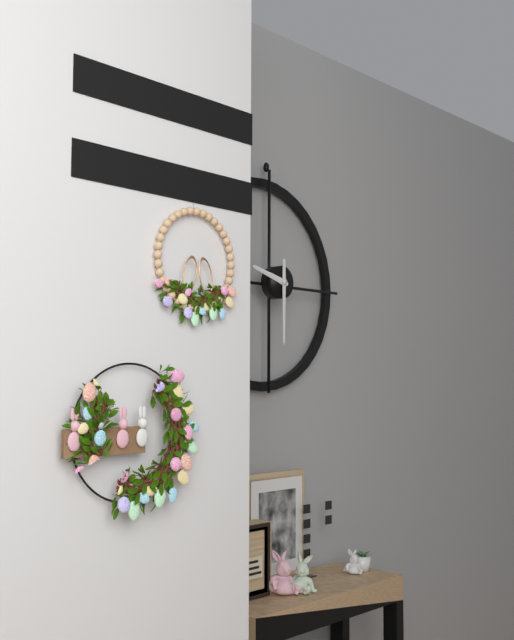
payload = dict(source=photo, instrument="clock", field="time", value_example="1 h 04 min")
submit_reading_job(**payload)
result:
9 h 30 min
